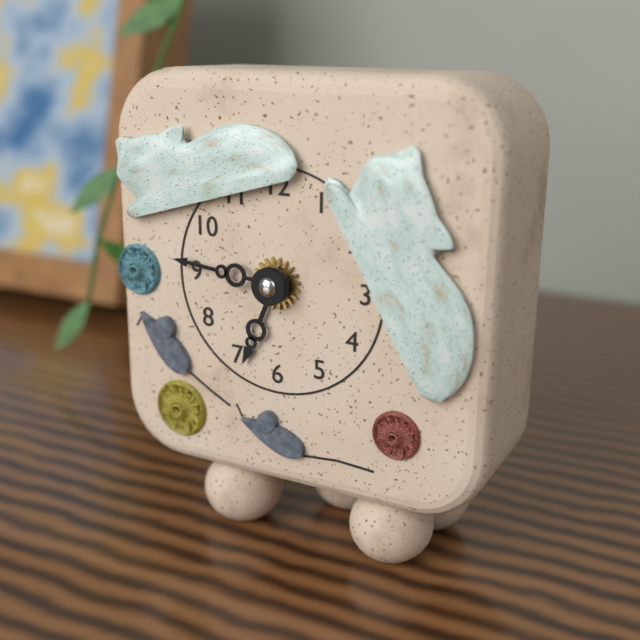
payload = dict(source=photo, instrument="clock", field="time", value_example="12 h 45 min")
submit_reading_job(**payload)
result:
6 h 46 min
